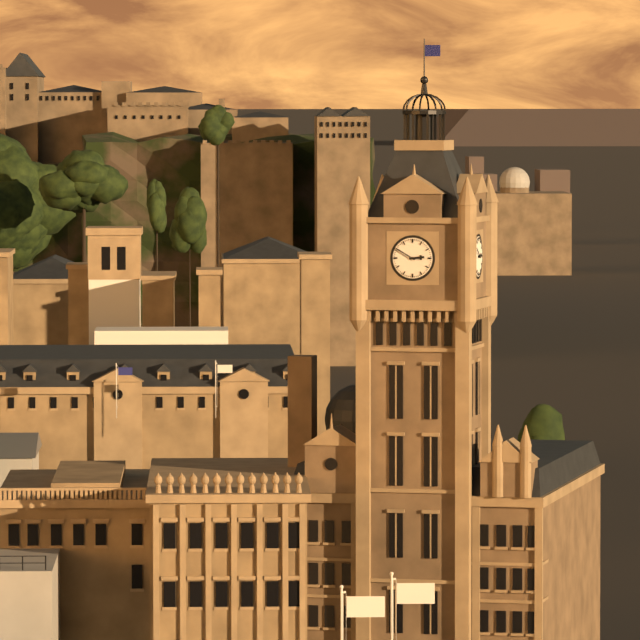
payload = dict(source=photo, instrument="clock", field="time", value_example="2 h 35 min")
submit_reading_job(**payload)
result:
2 h 50 min
